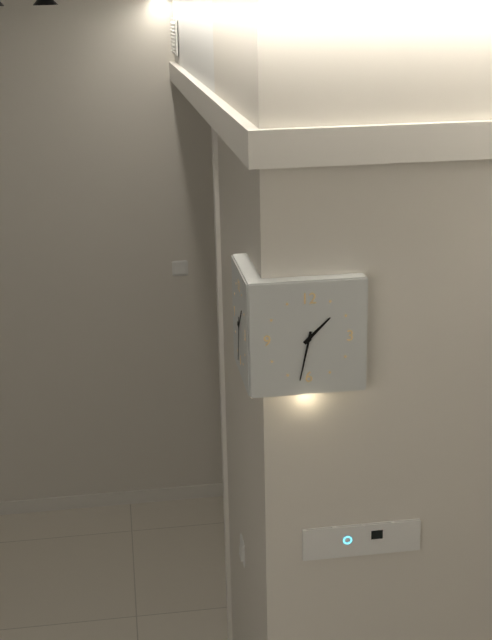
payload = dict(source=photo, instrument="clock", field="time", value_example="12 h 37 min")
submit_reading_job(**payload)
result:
1 h 32 min
